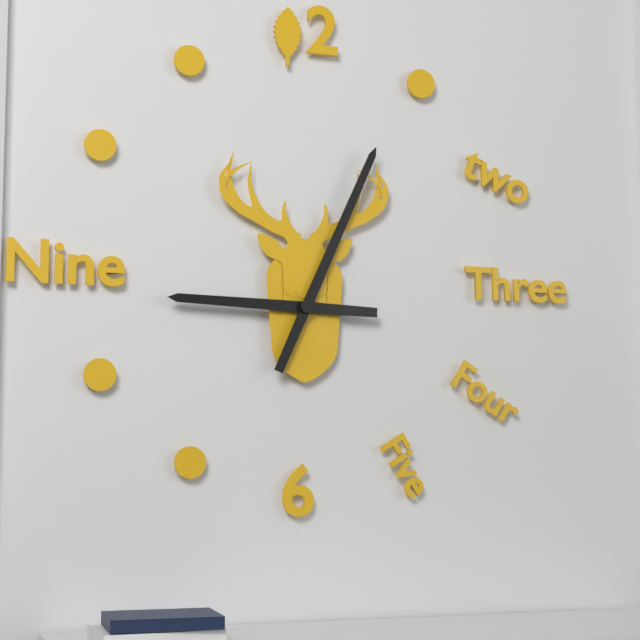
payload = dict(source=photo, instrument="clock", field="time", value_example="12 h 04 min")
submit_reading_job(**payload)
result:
9 h 04 min
